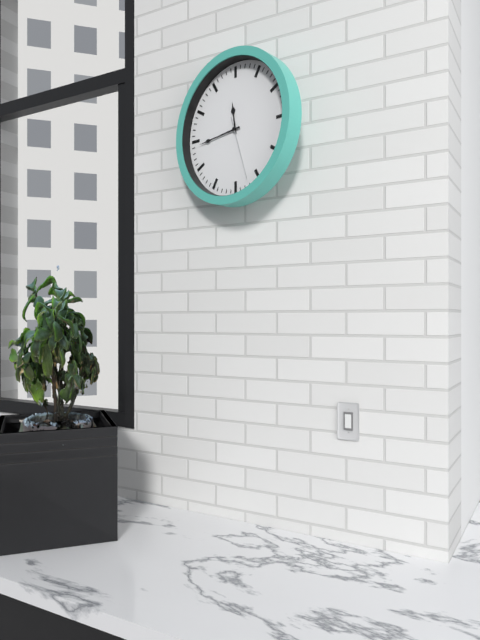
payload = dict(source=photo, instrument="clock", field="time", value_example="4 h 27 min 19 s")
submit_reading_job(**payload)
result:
11 h 44 min 27 s
